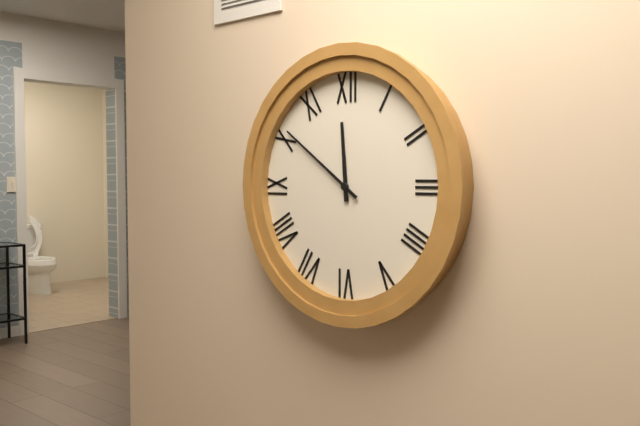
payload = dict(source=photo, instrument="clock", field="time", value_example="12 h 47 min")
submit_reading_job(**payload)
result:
11 h 51 min
